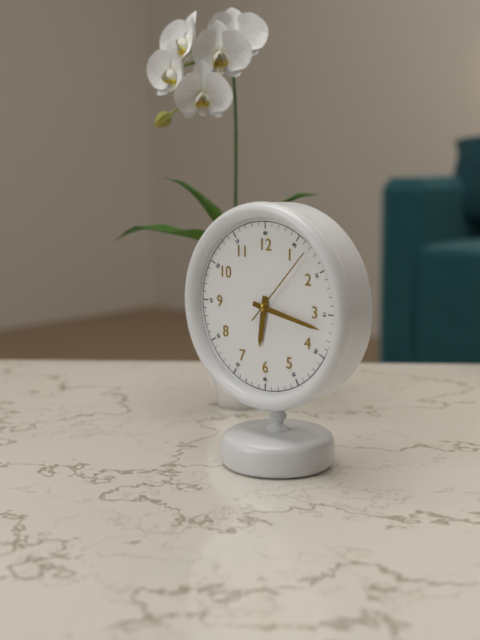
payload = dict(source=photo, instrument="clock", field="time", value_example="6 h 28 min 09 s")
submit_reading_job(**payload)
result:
6 h 17 min 07 s
